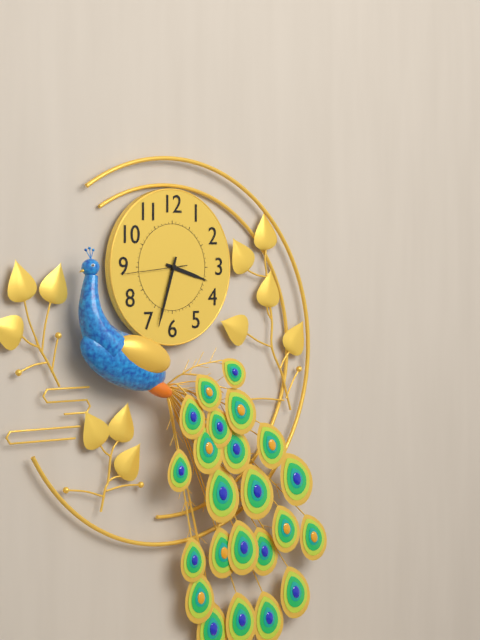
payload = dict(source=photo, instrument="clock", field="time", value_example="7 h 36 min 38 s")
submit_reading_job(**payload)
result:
3 h 33 min 44 s
